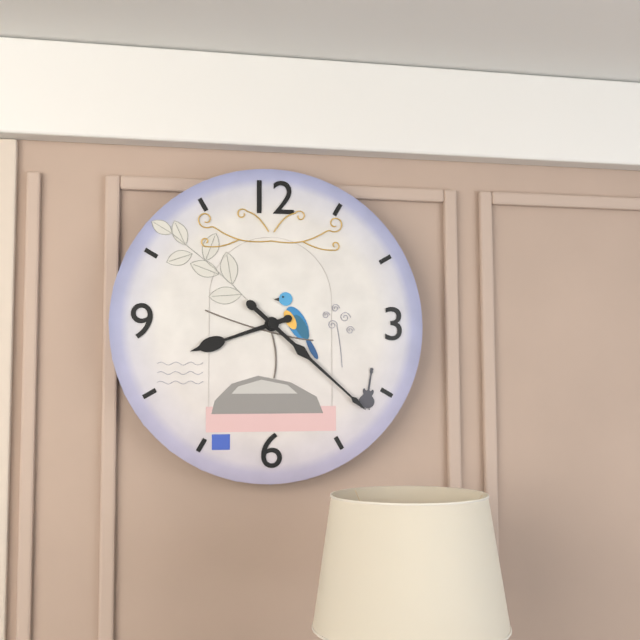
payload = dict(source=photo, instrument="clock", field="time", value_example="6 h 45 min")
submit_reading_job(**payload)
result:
8 h 22 min
